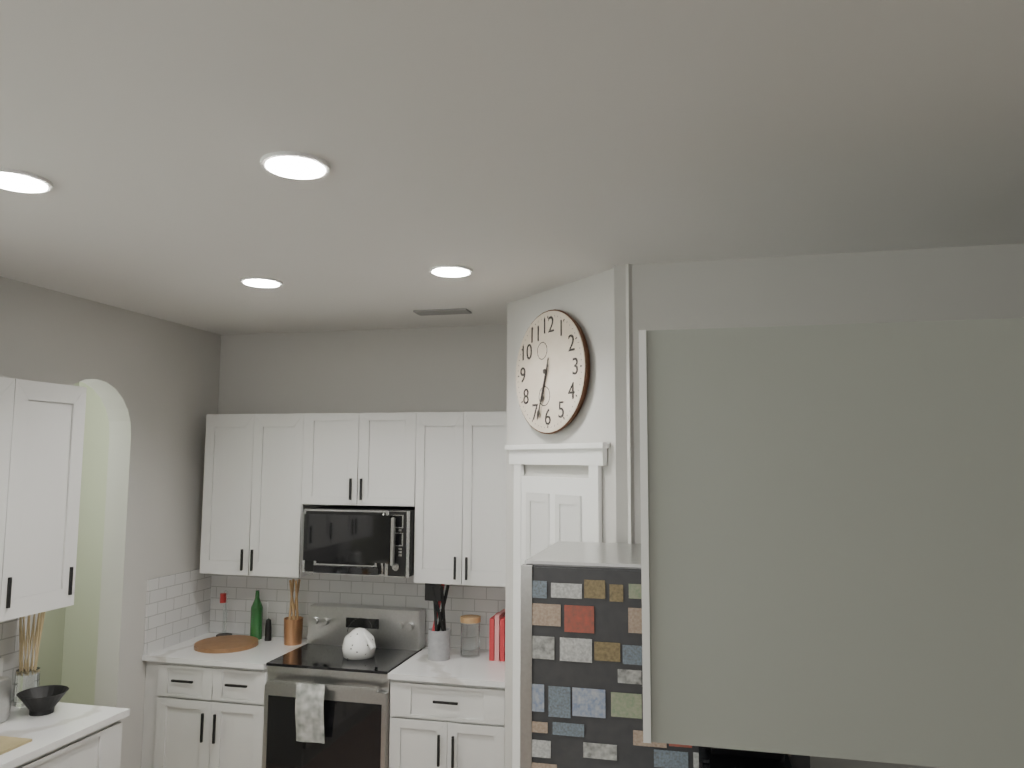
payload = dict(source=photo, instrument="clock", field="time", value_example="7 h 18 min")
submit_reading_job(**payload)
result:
6 h 33 min
